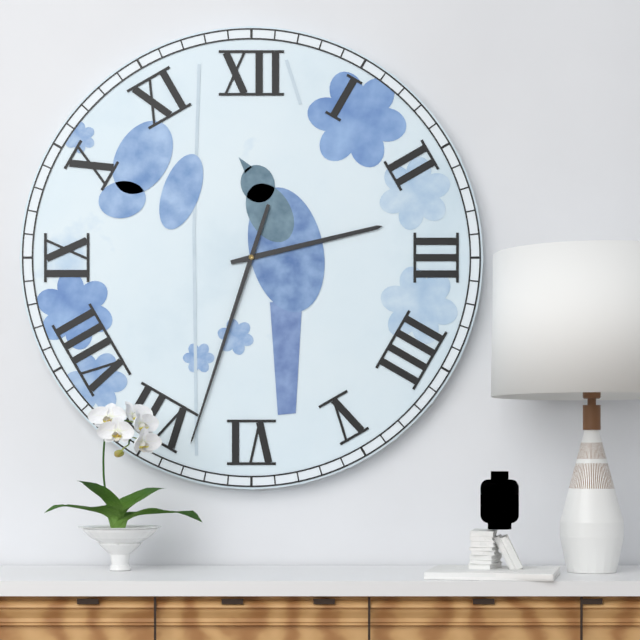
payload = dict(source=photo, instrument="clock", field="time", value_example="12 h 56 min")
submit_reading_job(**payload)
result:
2 h 33 min
